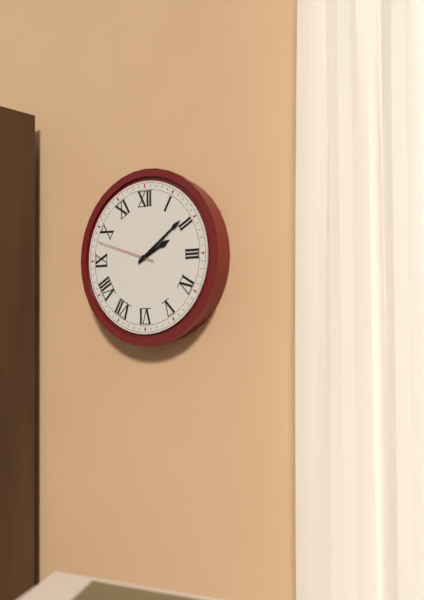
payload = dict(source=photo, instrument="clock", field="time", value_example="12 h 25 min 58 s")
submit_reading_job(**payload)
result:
2 h 09 min 48 s
